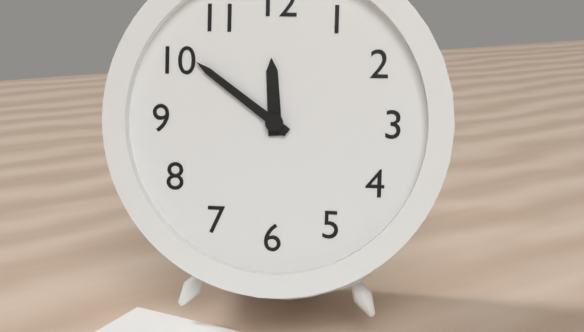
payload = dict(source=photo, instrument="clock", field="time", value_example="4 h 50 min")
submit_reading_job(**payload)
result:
11 h 51 min
